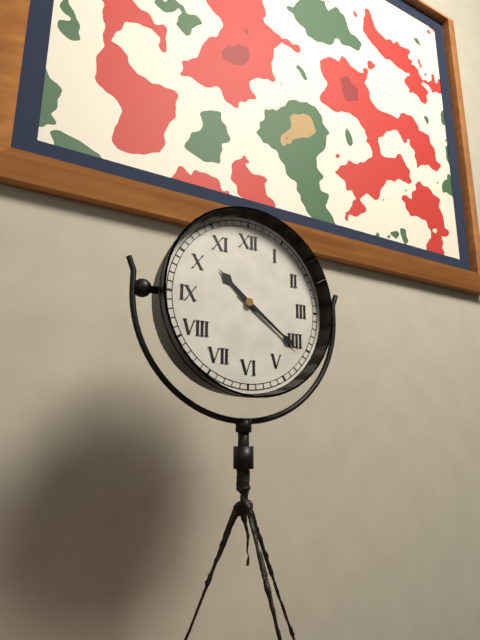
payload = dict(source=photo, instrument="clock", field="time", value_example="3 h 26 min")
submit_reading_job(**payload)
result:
10 h 21 min
